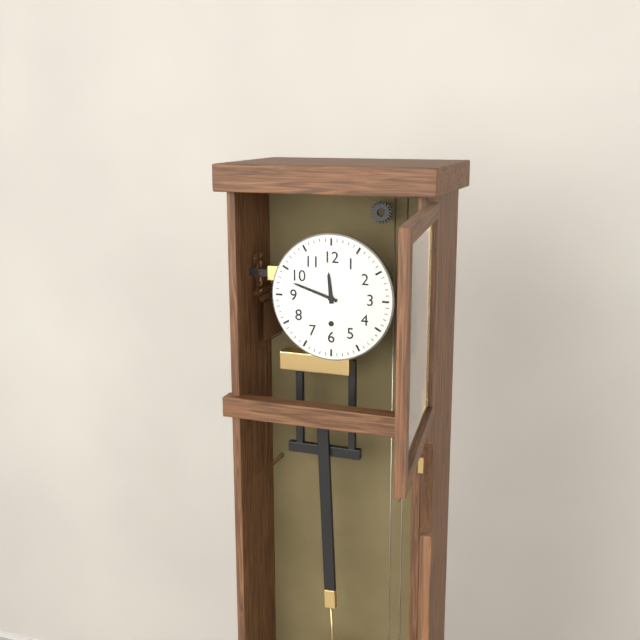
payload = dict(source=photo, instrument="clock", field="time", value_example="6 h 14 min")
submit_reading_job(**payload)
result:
11 h 48 min
